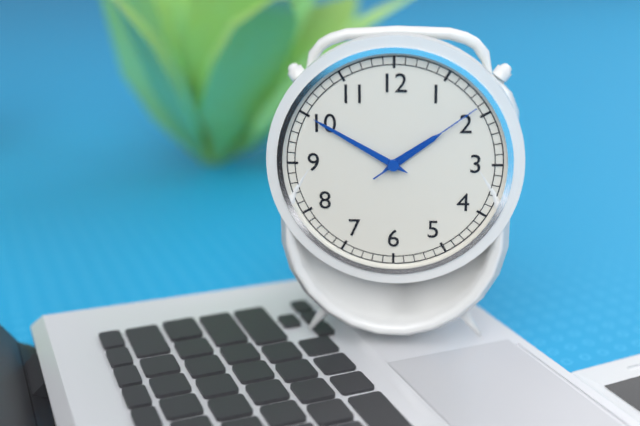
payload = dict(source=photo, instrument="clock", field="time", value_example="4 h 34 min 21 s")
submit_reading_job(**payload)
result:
1 h 50 min 09 s
